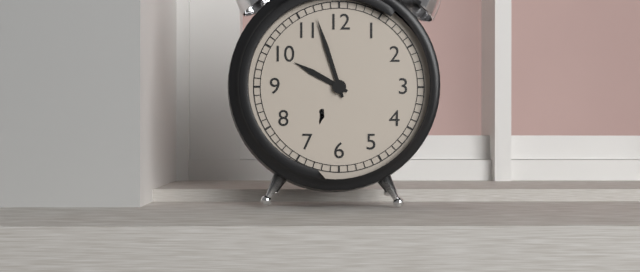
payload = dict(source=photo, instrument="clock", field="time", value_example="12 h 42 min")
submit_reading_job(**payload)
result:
9 h 57 min
